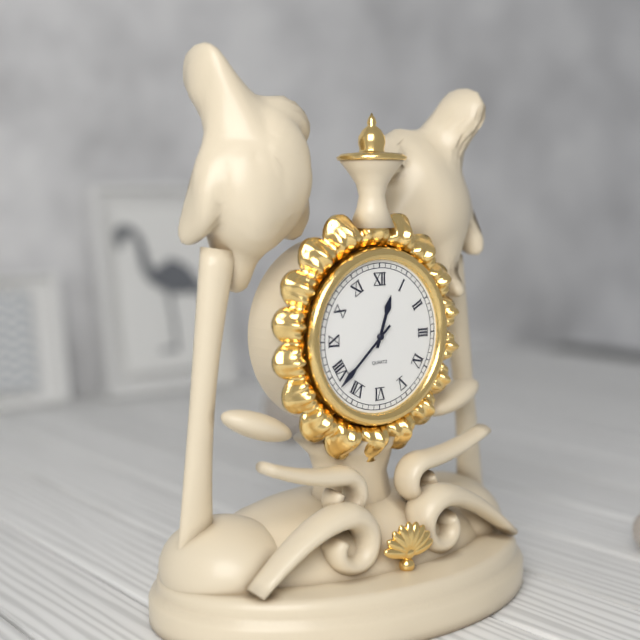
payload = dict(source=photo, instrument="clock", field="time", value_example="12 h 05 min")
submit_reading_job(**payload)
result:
12 h 38 min
